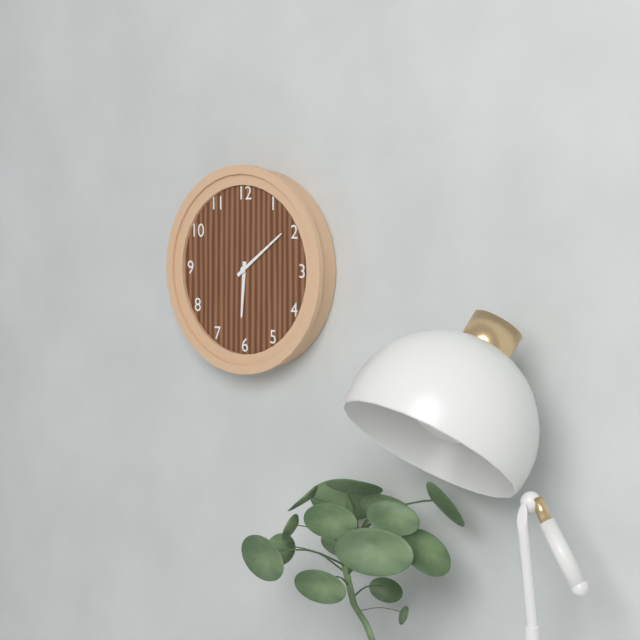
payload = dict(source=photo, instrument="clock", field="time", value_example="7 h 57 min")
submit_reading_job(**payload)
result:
6 h 09 min
